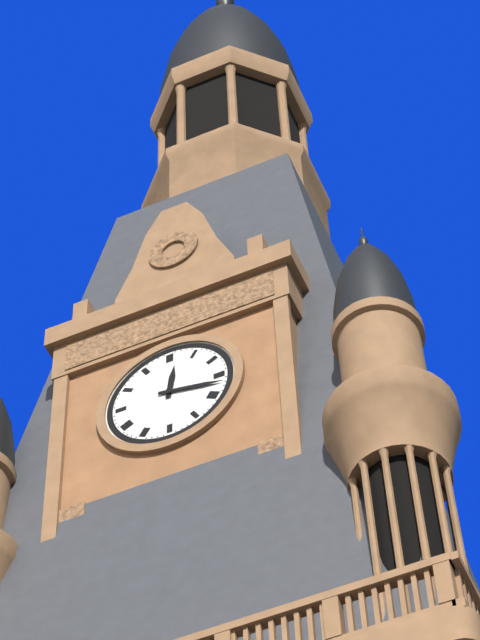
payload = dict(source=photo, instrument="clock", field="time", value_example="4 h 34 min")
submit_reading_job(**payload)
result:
12 h 17 min
